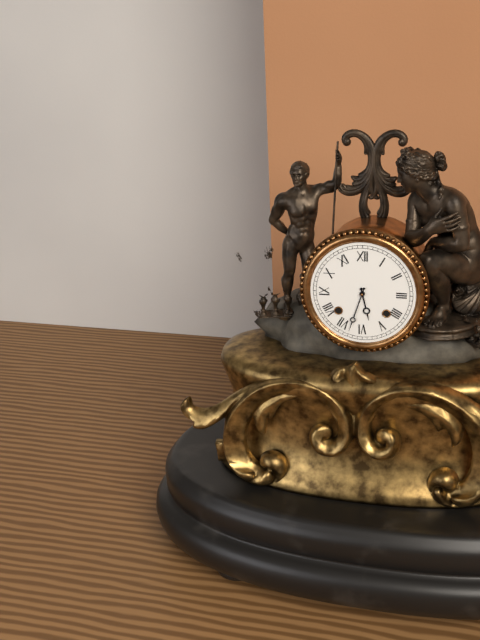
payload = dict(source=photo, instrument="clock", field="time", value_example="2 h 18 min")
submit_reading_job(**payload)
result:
5 h 33 min
